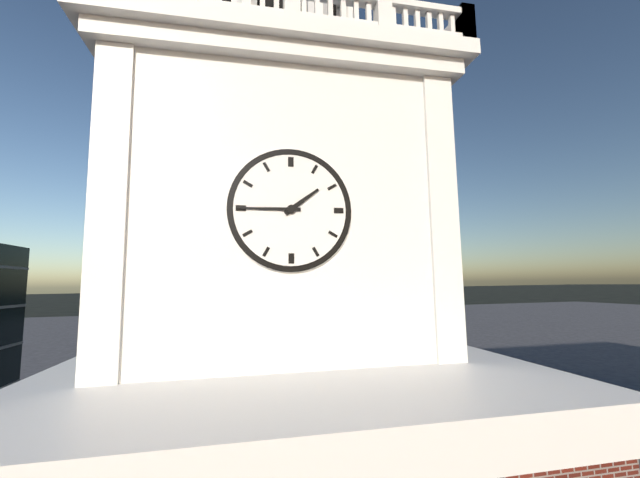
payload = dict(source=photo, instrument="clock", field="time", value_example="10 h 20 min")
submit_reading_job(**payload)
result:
1 h 45 min
